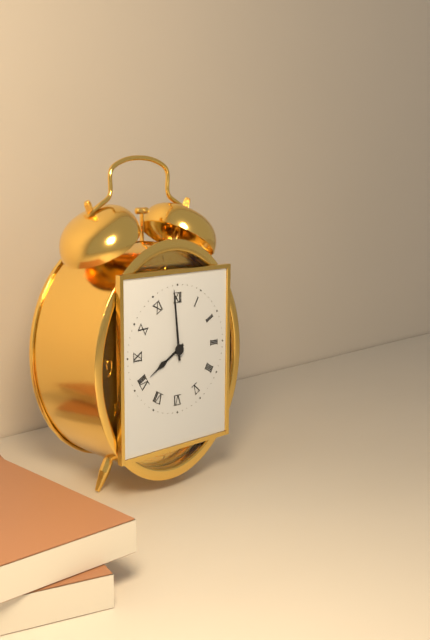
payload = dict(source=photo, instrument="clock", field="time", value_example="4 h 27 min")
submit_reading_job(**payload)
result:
7 h 59 min
